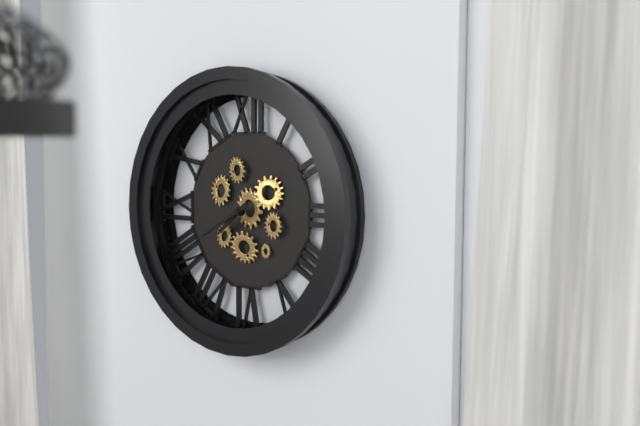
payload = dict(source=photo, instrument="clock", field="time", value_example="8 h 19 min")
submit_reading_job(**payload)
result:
7 h 40 min
